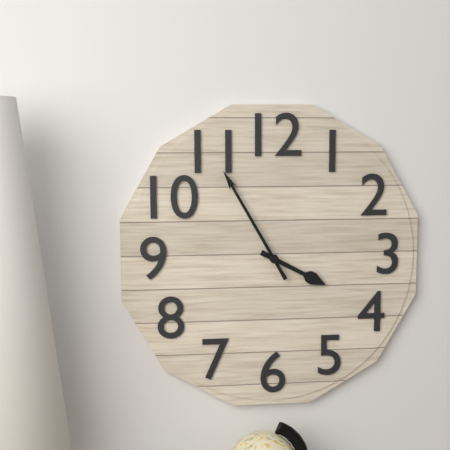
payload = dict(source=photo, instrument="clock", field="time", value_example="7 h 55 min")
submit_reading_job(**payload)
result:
3 h 55 min
